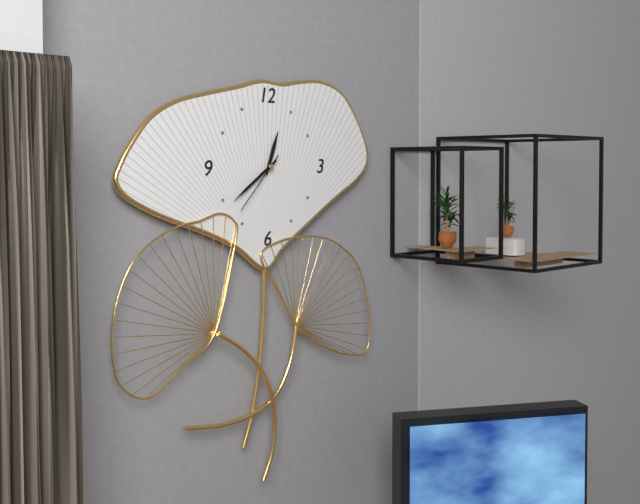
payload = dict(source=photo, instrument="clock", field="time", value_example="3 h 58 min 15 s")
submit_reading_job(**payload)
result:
12 h 39 min 37 s
